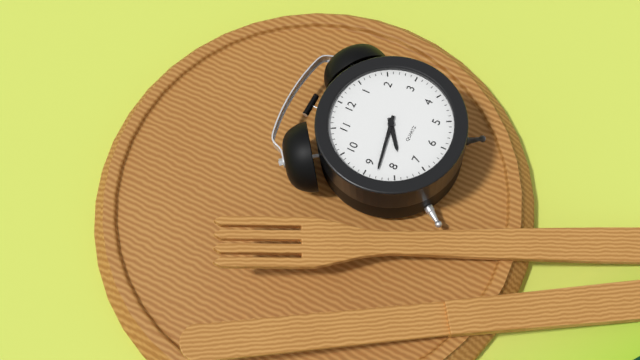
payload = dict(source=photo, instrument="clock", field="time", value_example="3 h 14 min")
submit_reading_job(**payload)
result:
7 h 43 min
